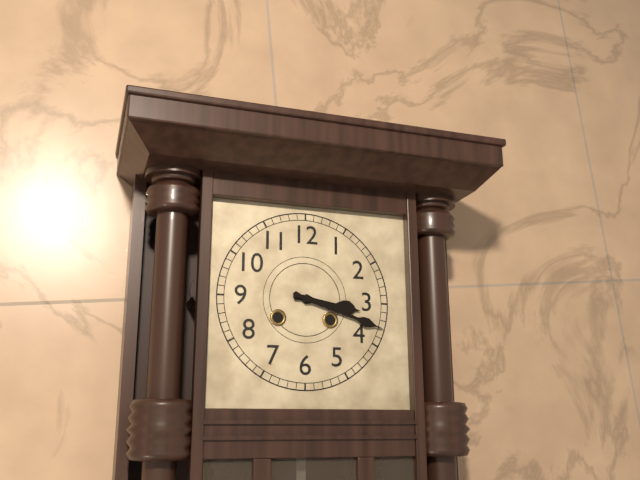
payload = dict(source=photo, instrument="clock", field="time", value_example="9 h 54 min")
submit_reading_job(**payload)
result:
3 h 18 min
